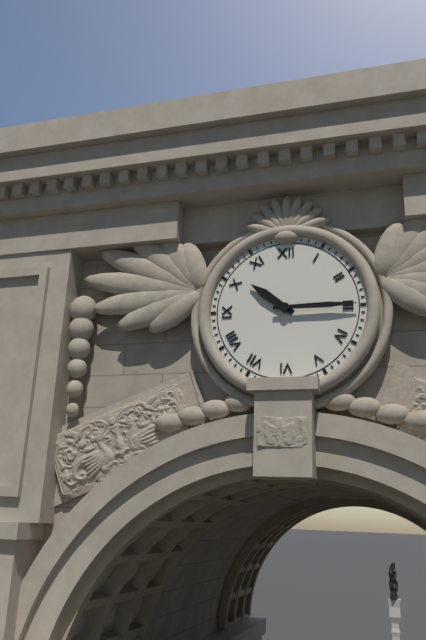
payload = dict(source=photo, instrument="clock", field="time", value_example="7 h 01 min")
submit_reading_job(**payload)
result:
10 h 15 min
